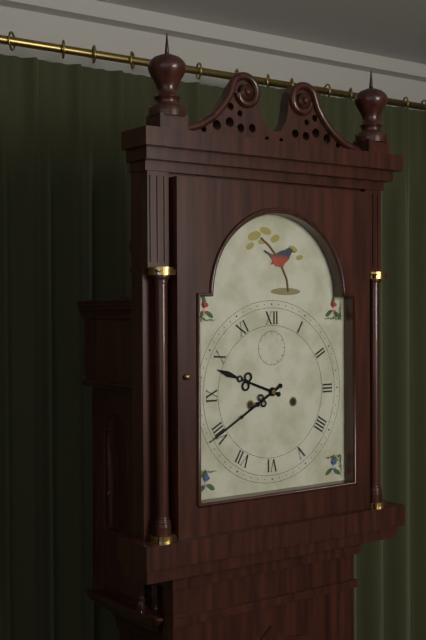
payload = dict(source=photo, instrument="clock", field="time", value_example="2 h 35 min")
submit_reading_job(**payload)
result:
9 h 40 min
